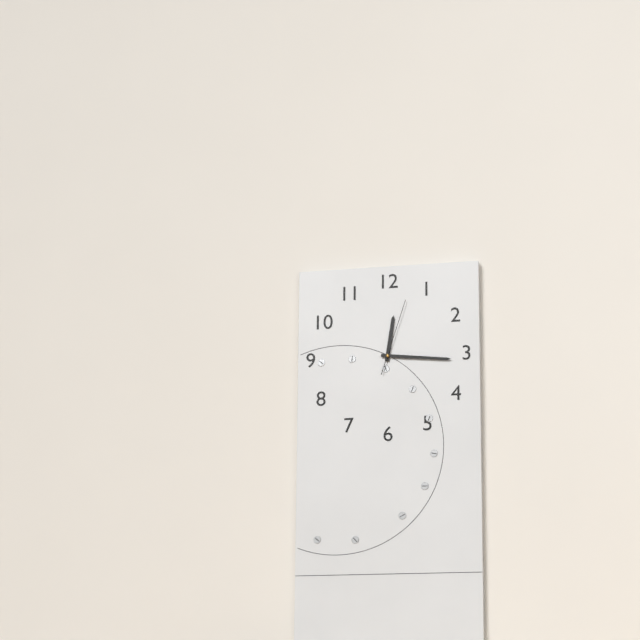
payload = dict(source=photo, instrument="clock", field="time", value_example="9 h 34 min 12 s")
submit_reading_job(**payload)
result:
12 h 16 min 03 s
